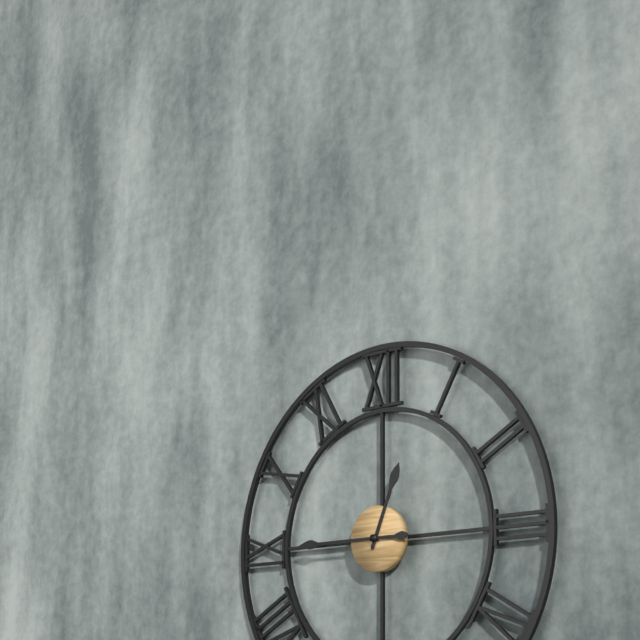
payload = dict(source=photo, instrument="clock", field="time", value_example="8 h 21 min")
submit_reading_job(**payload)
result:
12 h 45 min
